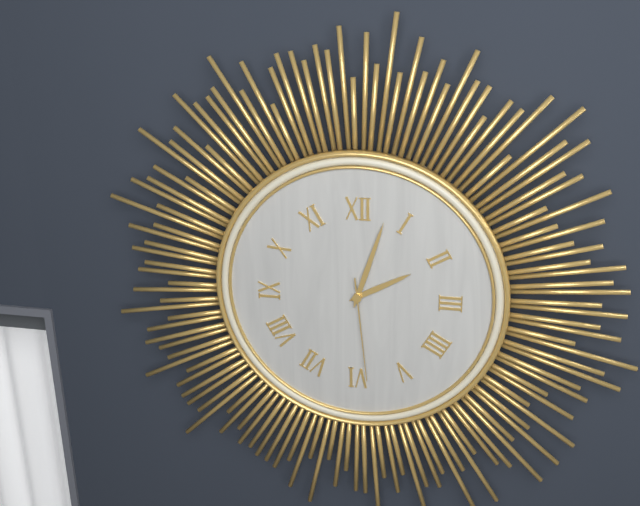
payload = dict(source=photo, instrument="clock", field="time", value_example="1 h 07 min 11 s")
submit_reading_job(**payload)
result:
2 h 03 min 29 s
